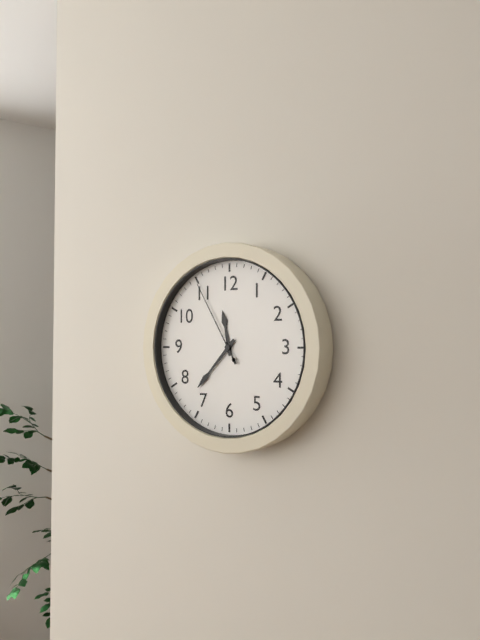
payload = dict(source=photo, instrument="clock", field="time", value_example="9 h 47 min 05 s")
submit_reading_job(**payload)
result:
11 h 37 min 55 s
